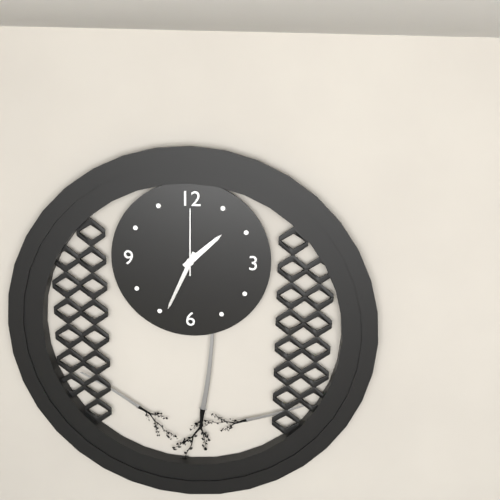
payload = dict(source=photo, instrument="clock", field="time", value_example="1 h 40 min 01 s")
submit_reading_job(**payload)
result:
1 h 34 min 00 s
